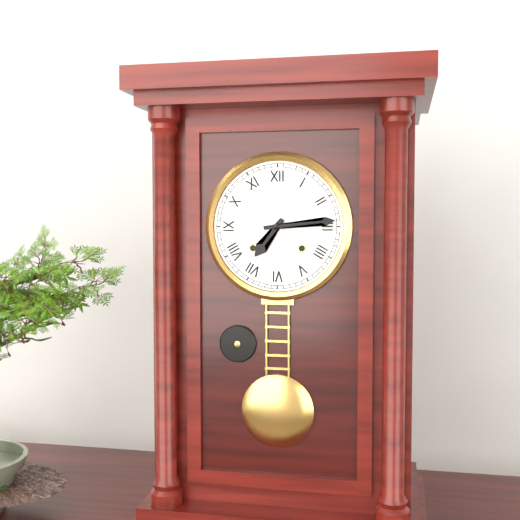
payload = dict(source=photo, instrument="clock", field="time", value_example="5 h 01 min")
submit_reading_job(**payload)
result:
7 h 14 min
